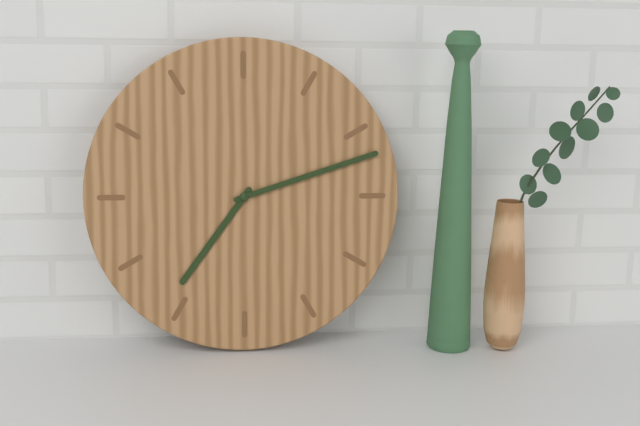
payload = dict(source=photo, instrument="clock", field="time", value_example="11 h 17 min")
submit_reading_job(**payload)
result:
7 h 12 min
